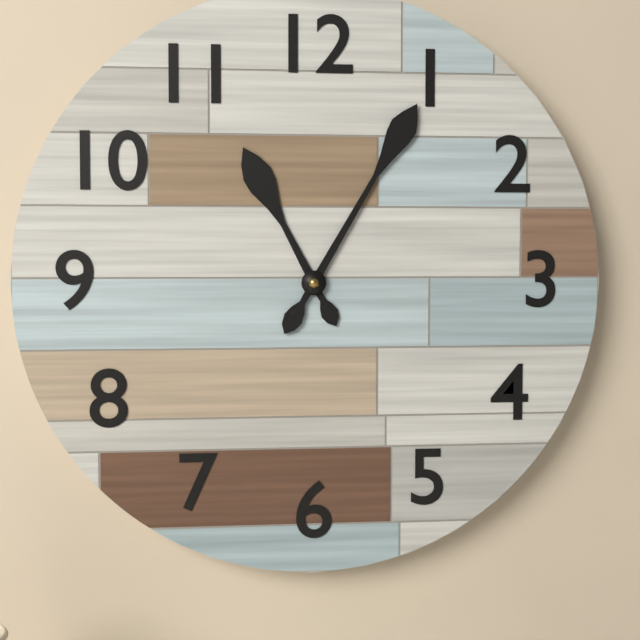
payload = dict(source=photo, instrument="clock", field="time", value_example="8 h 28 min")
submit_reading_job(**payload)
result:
11 h 05 min
